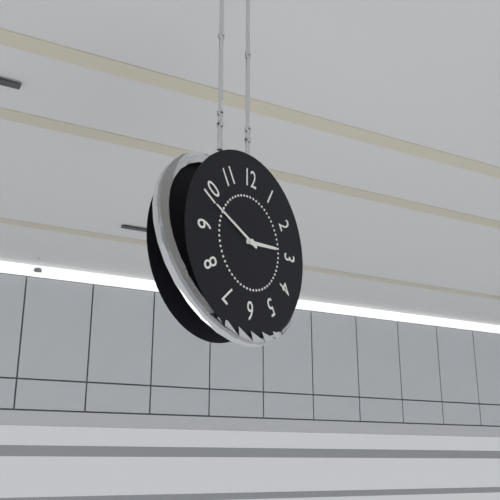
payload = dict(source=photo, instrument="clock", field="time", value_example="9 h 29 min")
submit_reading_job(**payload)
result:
2 h 49 min
